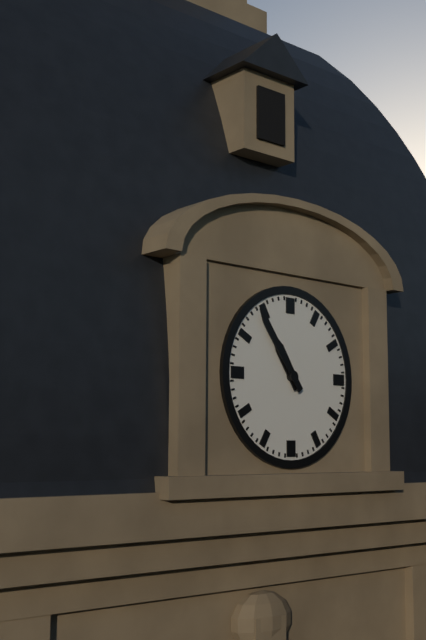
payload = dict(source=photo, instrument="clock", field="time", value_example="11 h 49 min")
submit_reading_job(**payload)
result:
10 h 54 min
